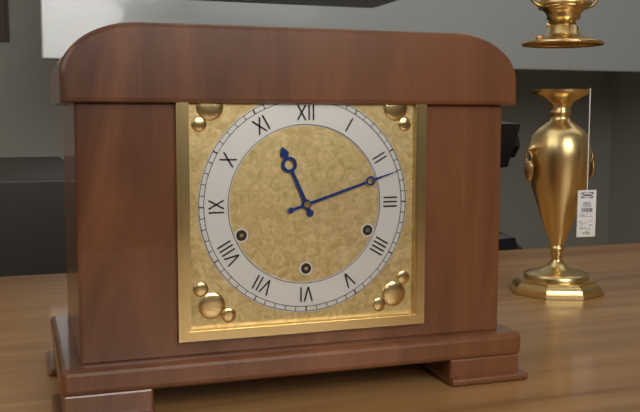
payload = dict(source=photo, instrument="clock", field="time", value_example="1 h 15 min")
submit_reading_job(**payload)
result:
11 h 12 min
